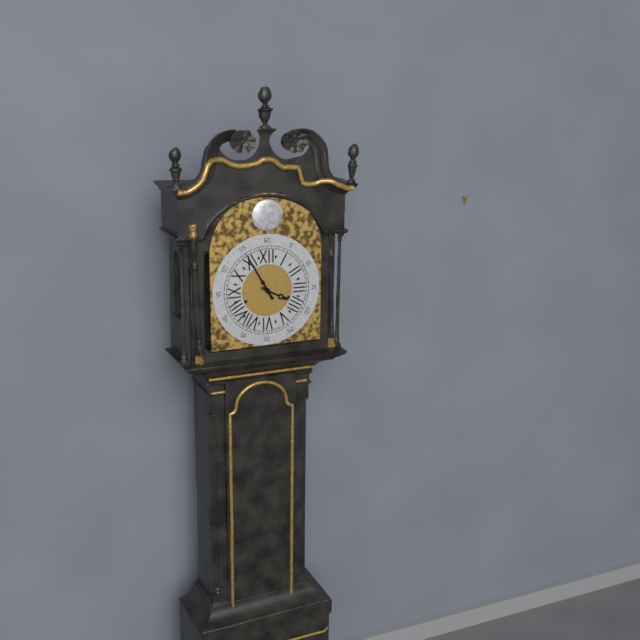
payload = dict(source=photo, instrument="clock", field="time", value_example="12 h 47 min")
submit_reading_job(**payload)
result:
3 h 55 min
